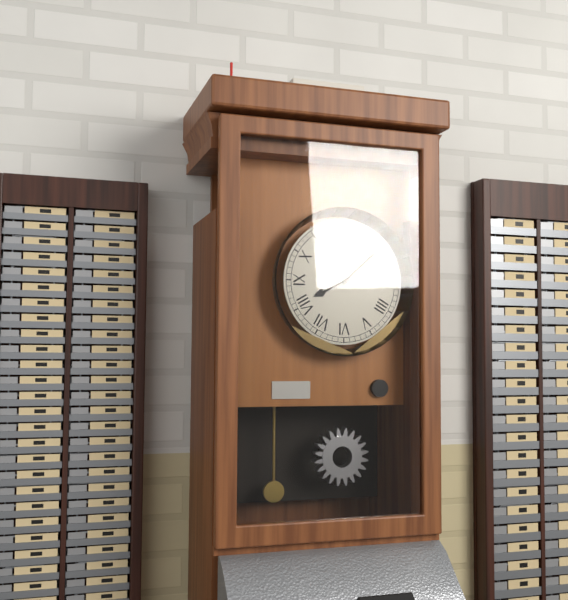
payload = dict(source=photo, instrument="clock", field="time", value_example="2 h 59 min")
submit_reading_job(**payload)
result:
8 h 08 min
